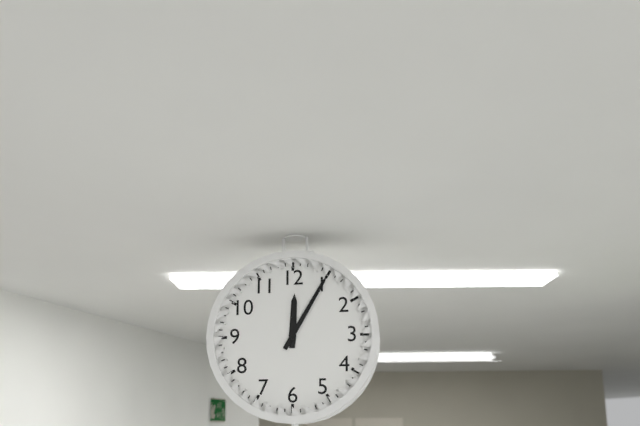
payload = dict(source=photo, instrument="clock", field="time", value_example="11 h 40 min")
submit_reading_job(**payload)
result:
12 h 05 min
